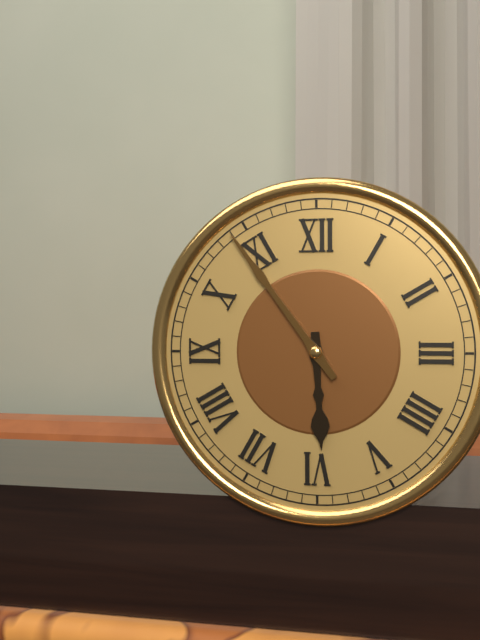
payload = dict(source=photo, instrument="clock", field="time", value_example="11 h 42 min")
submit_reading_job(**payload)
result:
5 h 54 min
